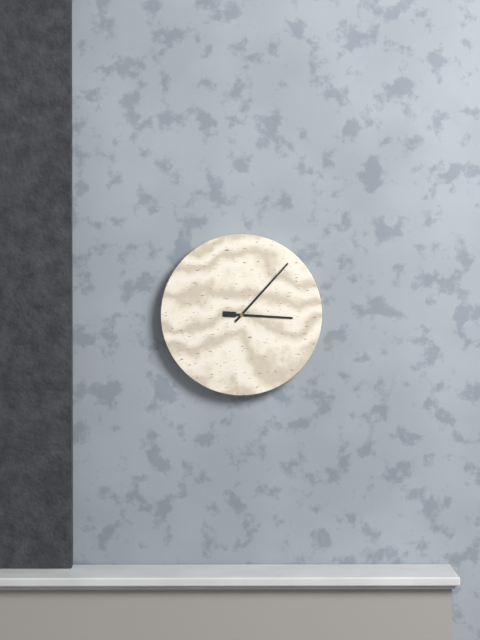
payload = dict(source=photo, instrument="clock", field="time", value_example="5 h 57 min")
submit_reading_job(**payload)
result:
3 h 07 min
